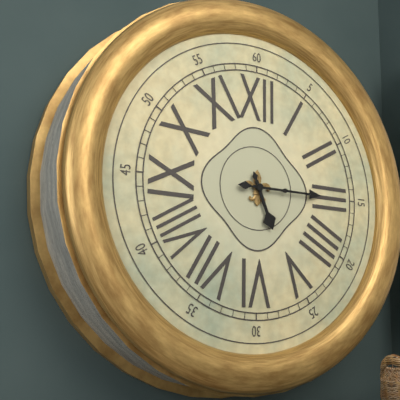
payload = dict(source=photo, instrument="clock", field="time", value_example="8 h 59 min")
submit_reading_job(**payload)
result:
5 h 15 min
